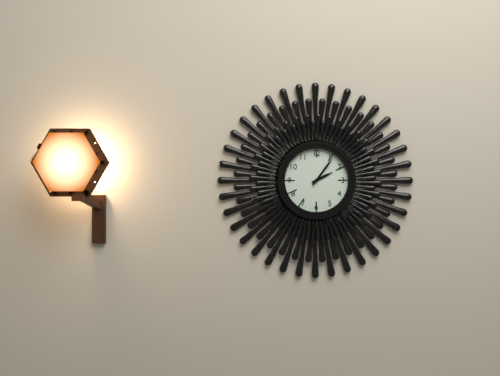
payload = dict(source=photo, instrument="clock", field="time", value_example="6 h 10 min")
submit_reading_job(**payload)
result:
2 h 06 min
